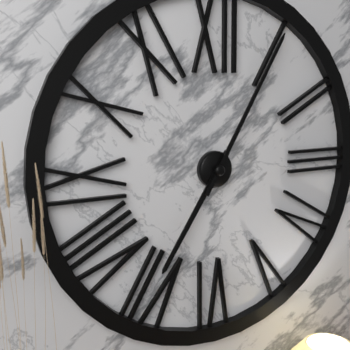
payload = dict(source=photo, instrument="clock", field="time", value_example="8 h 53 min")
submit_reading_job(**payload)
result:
7 h 05 min
